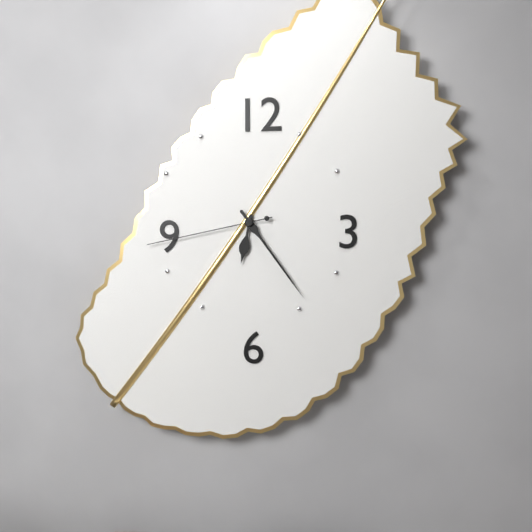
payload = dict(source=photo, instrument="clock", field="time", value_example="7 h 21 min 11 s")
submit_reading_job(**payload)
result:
6 h 24 min 43 s
